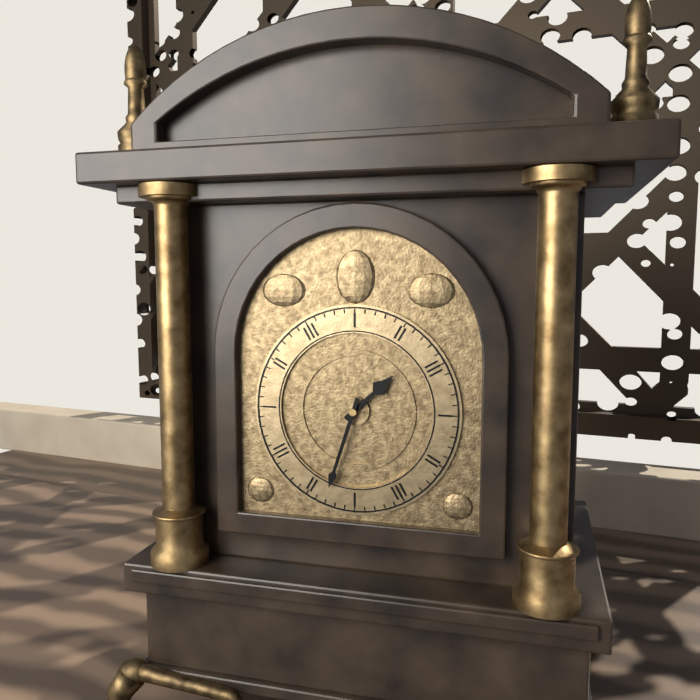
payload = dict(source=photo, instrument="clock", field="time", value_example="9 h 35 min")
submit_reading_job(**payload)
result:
1 h 33 min
